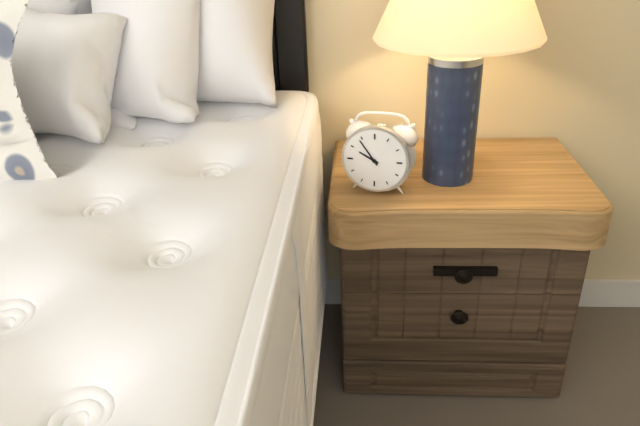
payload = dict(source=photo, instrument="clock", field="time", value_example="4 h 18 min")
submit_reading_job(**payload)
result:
9 h 54 min
